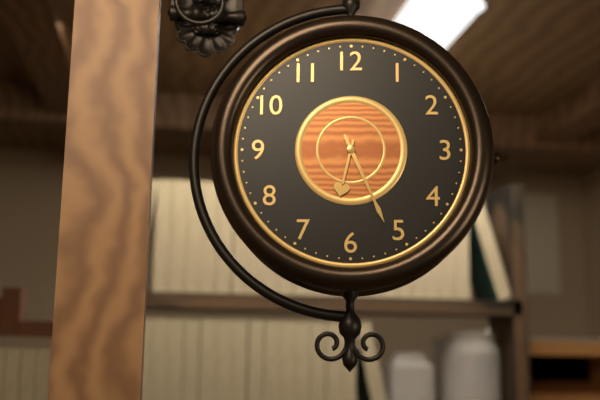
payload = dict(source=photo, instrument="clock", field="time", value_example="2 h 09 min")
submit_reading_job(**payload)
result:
6 h 26 min
